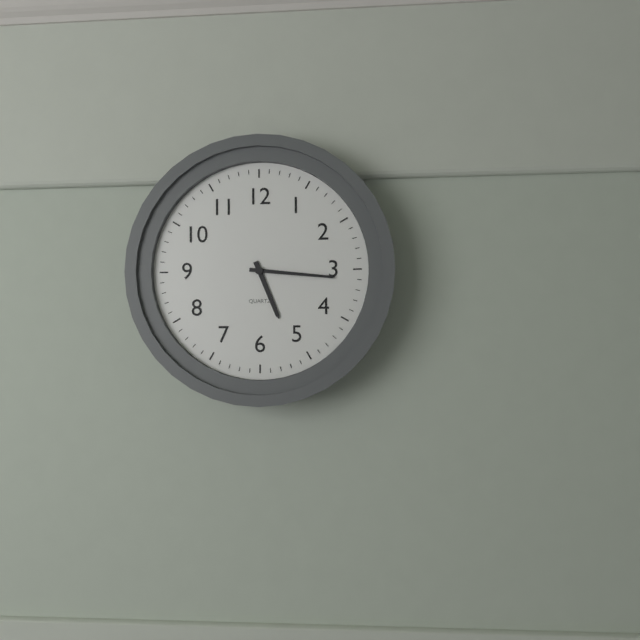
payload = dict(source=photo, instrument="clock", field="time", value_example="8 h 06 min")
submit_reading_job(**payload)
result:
5 h 16 min
